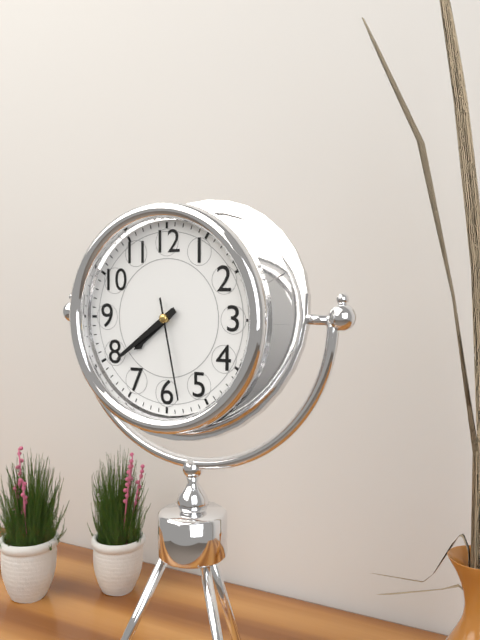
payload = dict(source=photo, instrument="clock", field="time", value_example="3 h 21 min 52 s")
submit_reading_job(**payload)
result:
7 h 39 min 28 s
